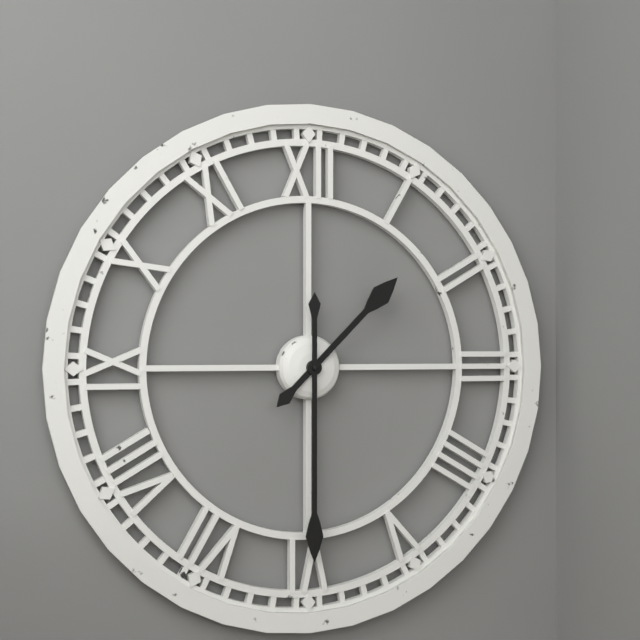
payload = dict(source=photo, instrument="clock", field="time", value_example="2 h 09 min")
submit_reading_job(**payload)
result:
1 h 30 min
